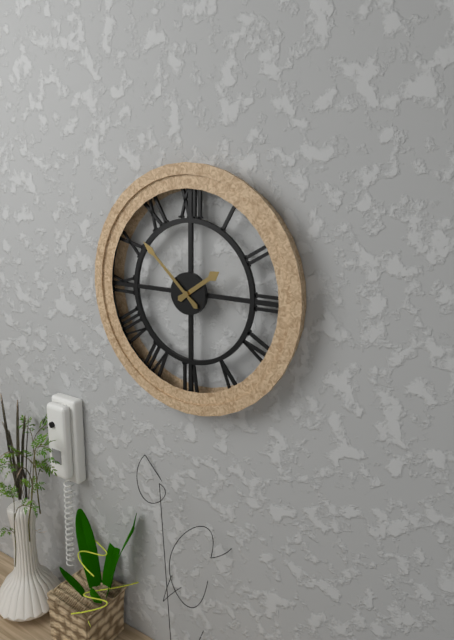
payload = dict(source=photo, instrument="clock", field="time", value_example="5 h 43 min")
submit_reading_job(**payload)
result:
1 h 52 min
